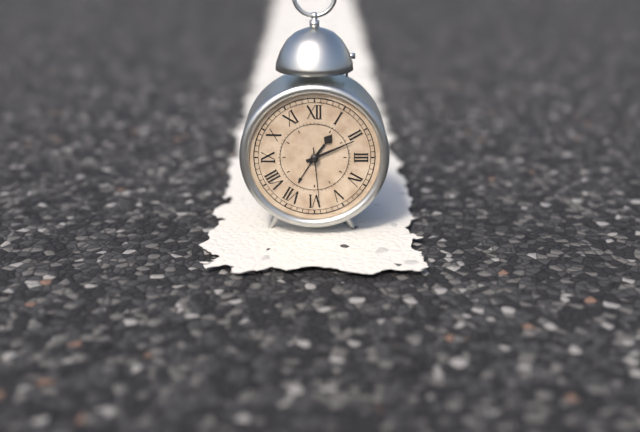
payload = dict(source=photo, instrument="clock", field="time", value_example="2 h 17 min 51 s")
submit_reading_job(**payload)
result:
1 h 11 min 29 s
